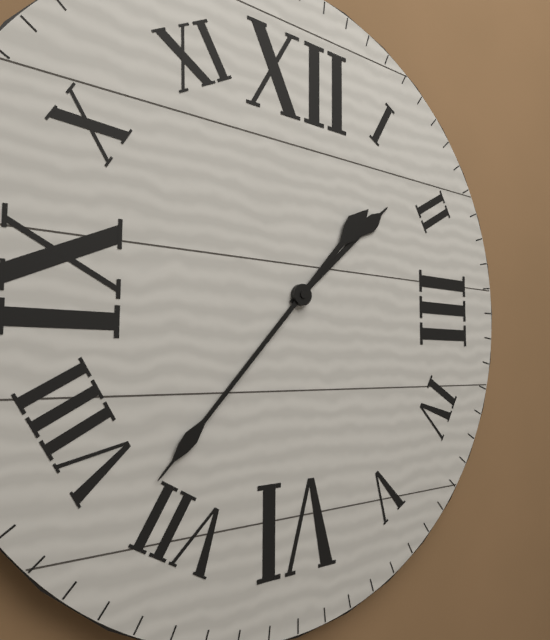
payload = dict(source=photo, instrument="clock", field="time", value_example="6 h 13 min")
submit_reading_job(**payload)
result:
1 h 37 min
